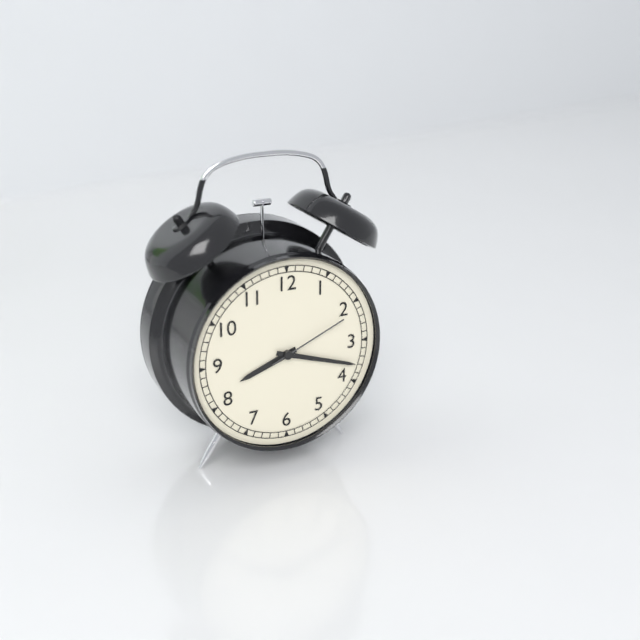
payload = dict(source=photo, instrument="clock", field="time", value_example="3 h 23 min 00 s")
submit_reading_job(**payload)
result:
8 h 18 min 11 s
